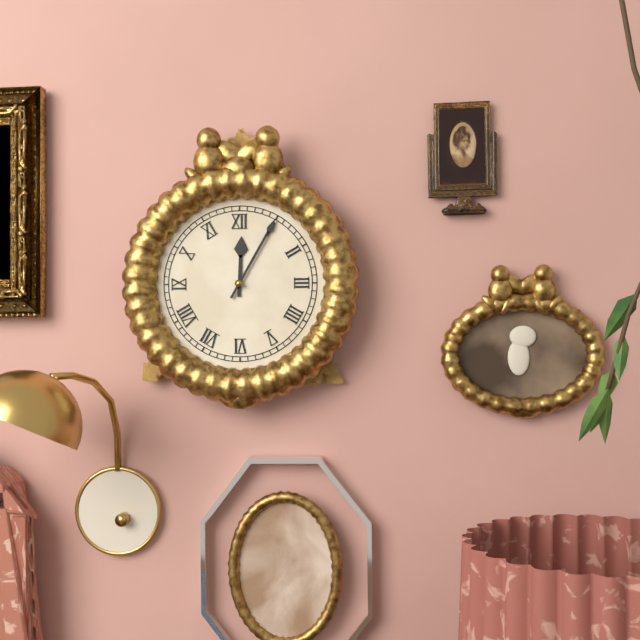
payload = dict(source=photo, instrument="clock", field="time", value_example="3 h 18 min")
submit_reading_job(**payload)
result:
12 h 05 min
